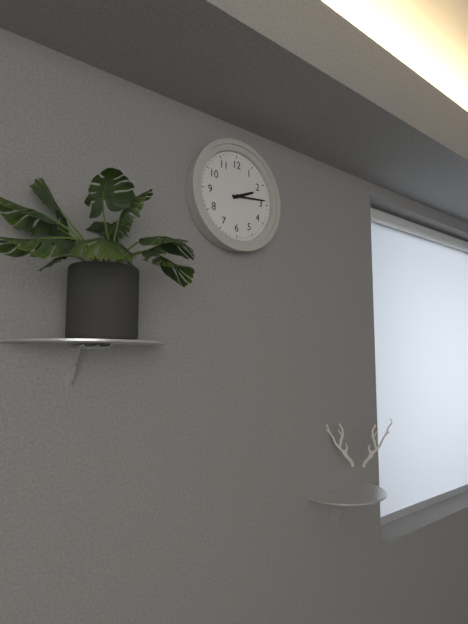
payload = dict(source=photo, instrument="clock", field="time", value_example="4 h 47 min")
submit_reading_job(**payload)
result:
2 h 14 min
